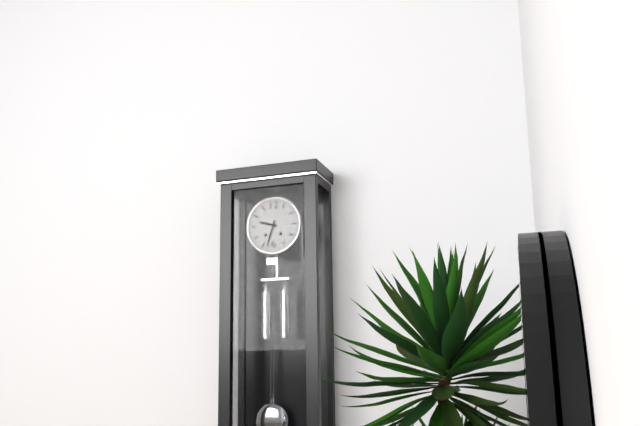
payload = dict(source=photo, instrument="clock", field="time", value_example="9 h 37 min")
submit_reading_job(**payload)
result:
9 h 33 min
